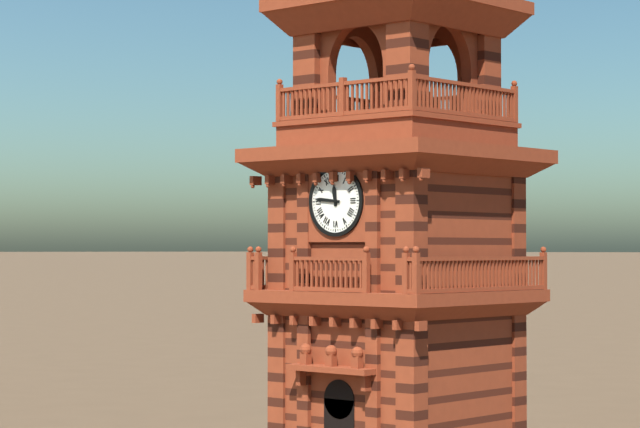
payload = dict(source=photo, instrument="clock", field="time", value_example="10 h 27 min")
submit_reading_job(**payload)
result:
11 h 46 min
